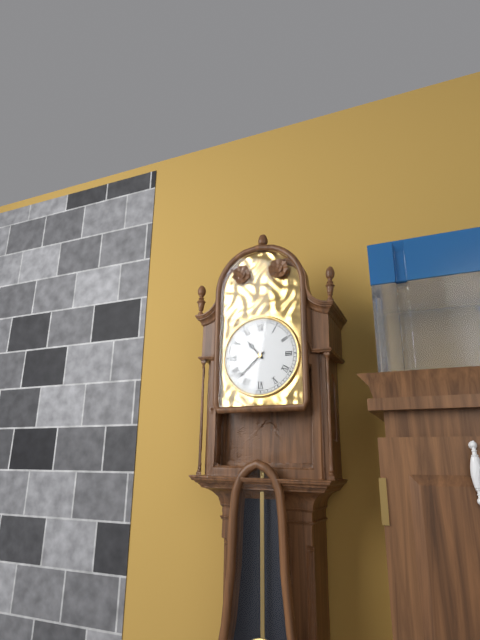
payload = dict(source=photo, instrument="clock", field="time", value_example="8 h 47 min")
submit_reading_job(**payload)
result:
10 h 38 min
